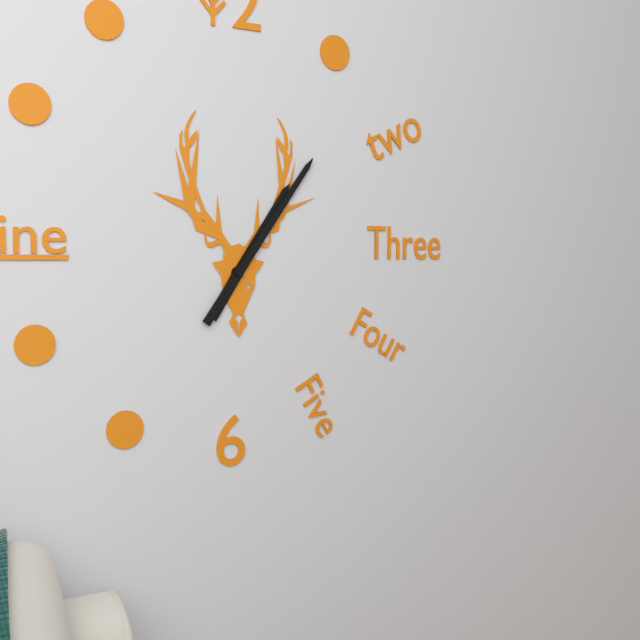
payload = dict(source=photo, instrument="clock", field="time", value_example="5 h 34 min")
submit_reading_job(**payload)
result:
1 h 06 min
